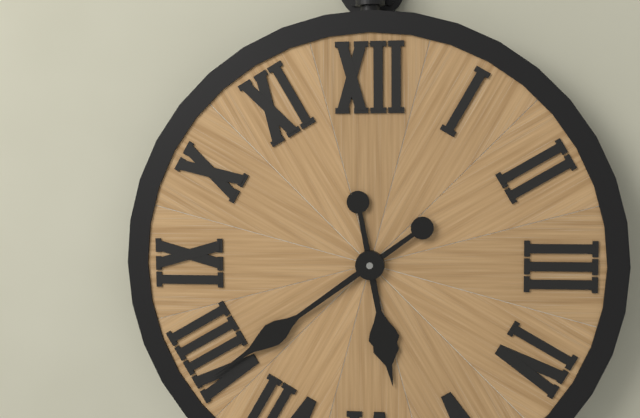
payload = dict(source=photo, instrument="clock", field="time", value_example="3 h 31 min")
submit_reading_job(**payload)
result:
5 h 39 min
